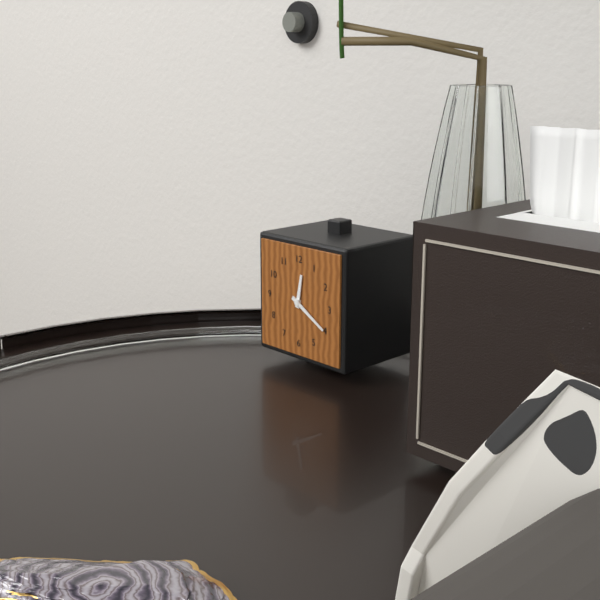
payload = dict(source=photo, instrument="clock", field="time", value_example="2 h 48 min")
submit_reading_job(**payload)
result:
12 h 20 min
